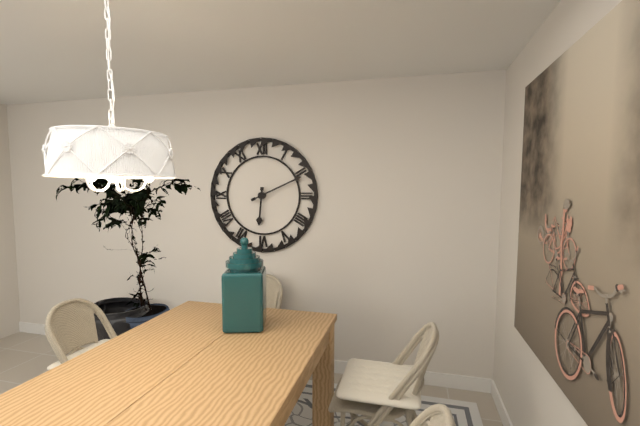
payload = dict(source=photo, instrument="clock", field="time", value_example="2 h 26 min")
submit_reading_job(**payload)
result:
6 h 11 min
